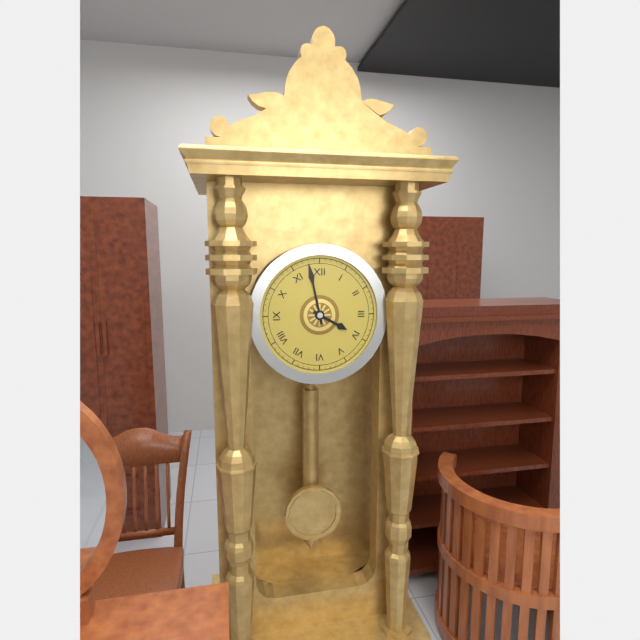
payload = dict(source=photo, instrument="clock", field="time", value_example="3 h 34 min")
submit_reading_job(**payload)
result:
3 h 58 min
